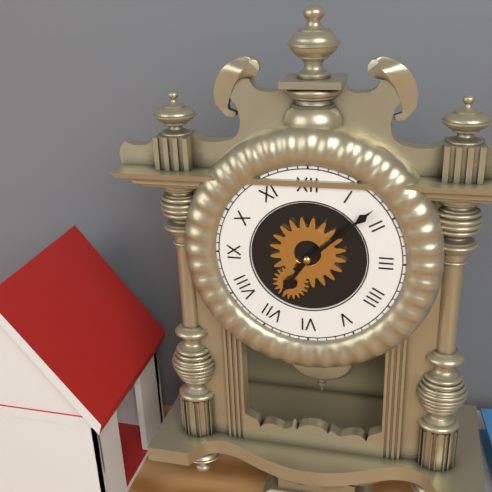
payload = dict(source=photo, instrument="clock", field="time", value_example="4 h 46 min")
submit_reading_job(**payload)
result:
7 h 08 min
